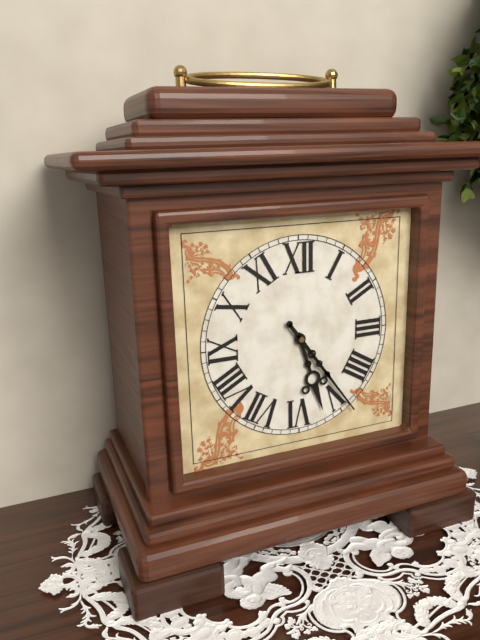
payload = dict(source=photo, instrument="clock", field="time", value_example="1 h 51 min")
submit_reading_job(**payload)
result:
5 h 24 min
